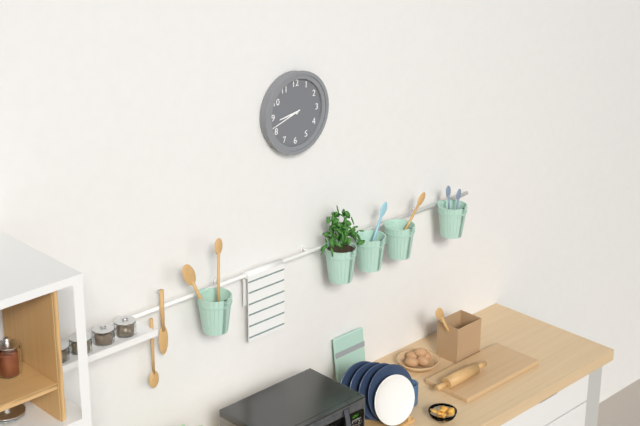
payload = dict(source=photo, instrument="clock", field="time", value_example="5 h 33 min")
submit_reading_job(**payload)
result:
8 h 42 min
